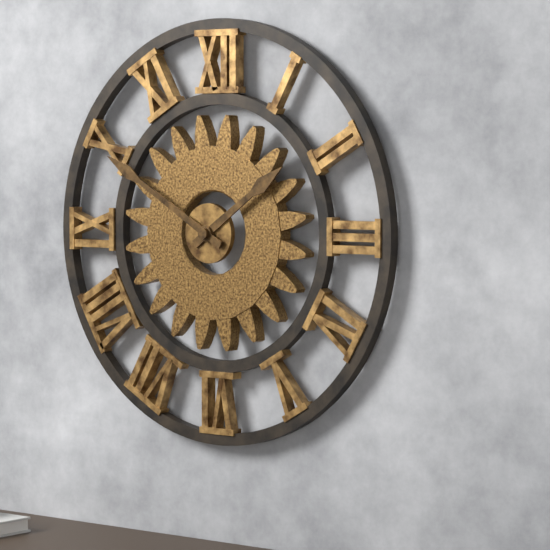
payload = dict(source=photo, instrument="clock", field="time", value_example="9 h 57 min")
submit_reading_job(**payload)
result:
1 h 50 min
